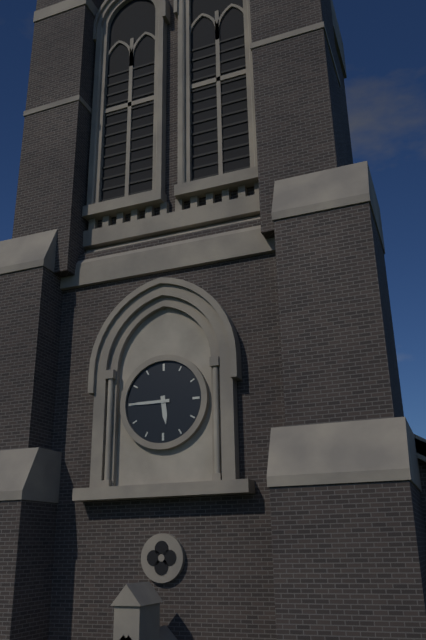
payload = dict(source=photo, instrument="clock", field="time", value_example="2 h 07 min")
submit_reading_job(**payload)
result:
5 h 45 min
